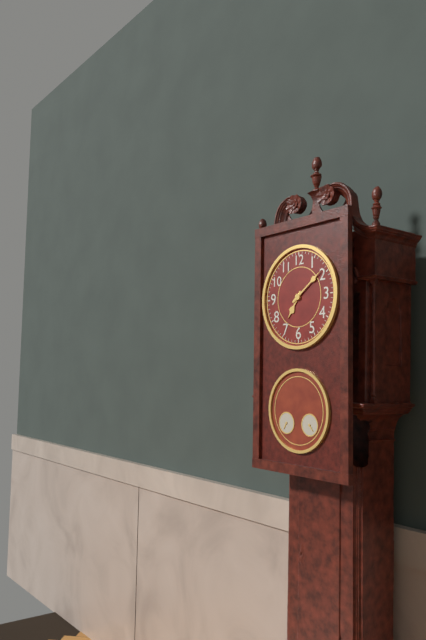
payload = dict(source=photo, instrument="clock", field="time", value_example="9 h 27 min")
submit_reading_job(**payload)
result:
7 h 09 min
